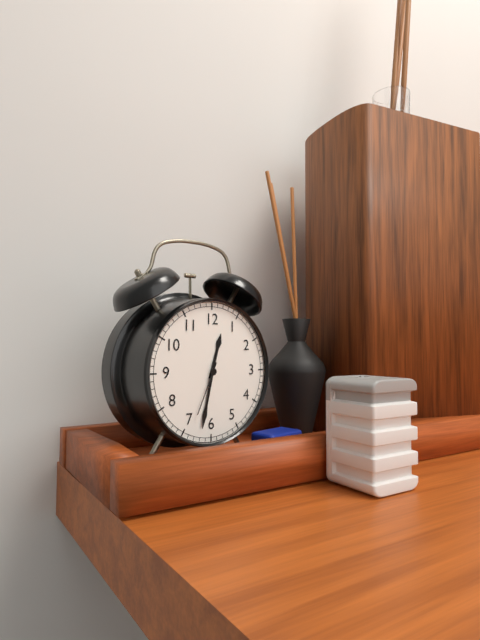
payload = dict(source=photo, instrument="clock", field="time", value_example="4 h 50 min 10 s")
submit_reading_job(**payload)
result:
12 h 32 min 34 s
